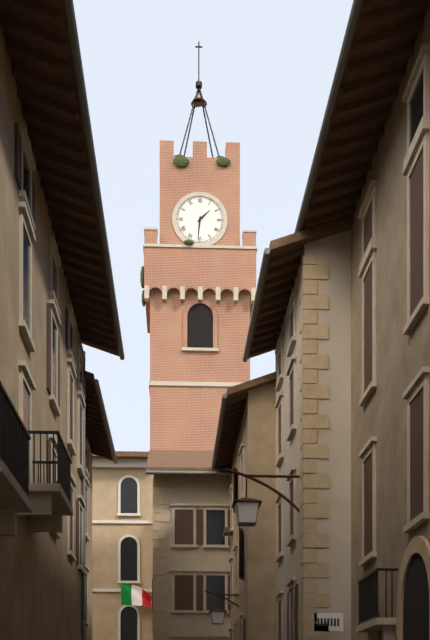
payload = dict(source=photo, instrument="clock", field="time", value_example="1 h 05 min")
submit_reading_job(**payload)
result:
1 h 31 min
